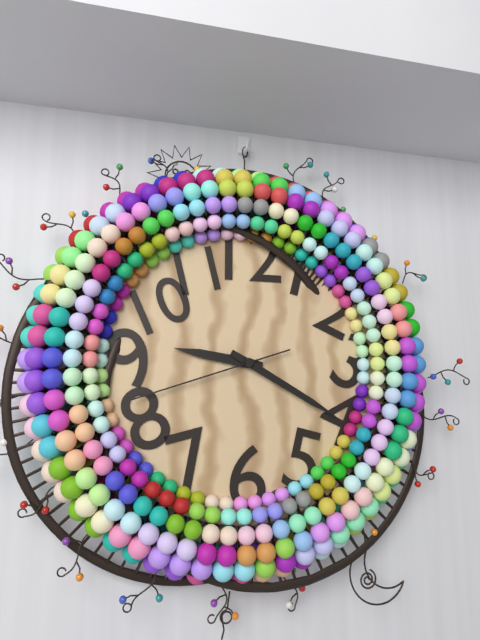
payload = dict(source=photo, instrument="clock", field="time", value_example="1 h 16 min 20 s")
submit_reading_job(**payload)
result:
9 h 20 min 42 s
